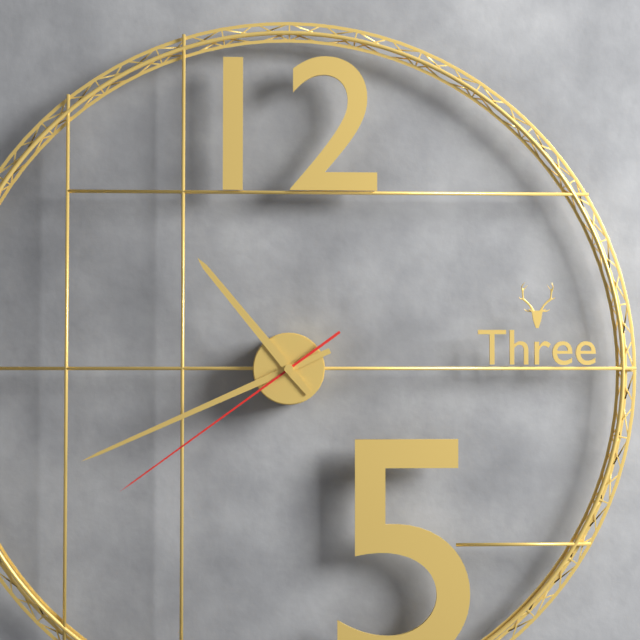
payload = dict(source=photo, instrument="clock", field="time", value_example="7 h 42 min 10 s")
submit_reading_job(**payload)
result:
10 h 41 min 39 s
